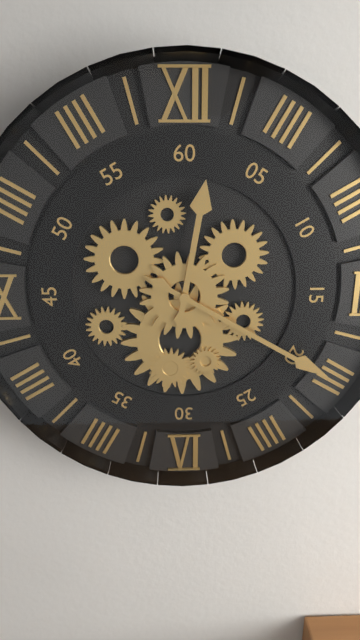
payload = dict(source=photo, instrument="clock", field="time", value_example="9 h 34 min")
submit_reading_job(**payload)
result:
12 h 20 min
